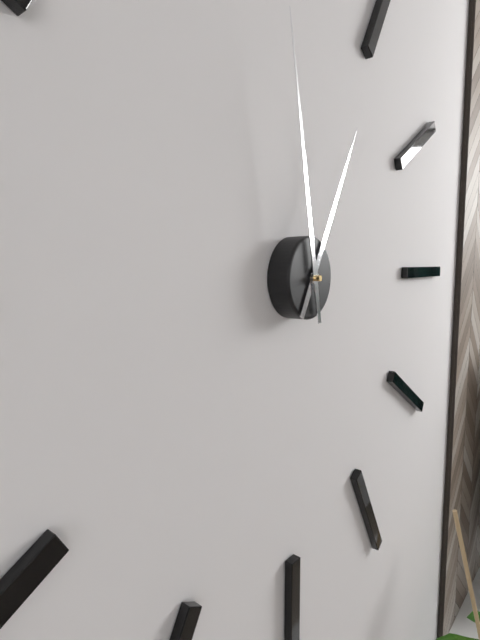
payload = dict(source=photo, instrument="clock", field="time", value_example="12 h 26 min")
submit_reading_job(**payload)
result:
12 h 58 min
